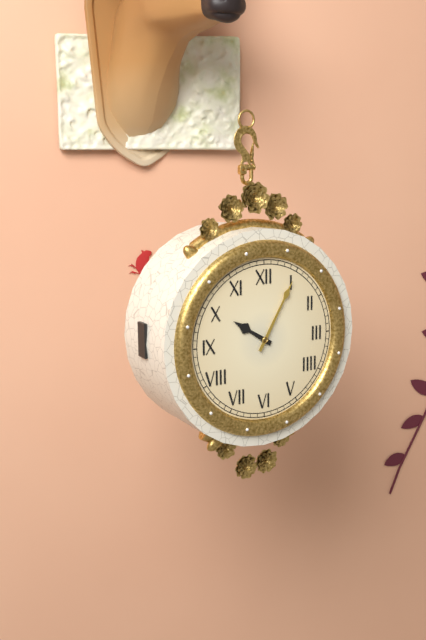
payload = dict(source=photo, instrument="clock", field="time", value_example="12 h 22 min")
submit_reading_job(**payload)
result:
10 h 05 min
